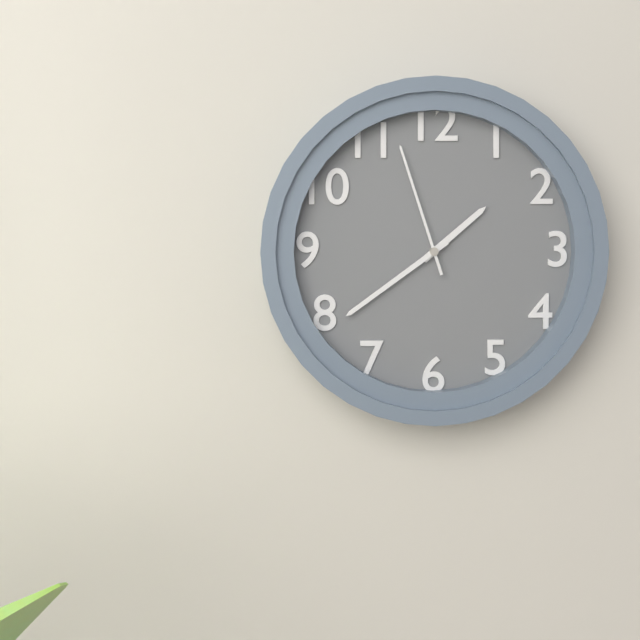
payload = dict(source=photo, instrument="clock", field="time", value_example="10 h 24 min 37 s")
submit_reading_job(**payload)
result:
1 h 39 min 57 s
